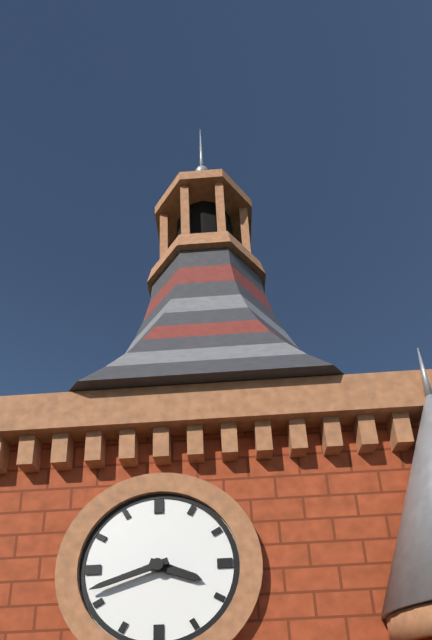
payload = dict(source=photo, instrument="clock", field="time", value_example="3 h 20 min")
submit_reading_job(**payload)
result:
3 h 42 min
